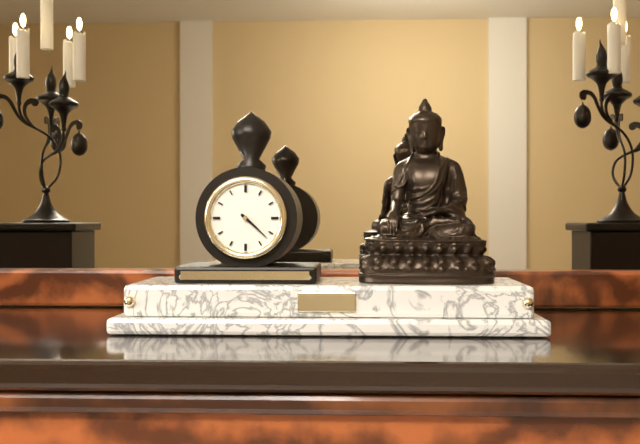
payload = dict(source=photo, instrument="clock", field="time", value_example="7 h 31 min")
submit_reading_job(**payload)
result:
4 h 22 min
